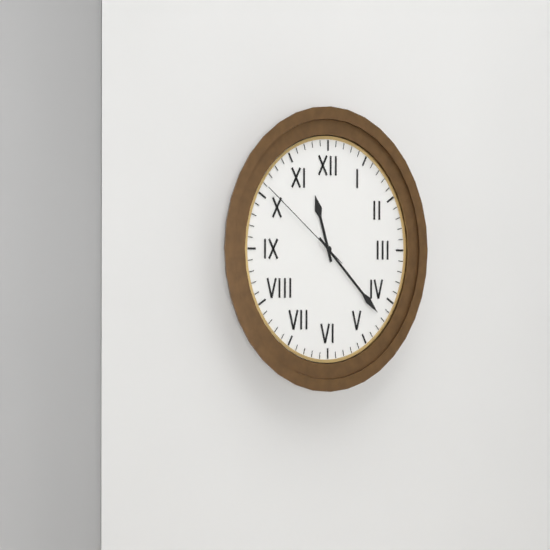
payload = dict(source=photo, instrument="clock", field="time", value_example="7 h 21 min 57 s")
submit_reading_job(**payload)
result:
11 h 22 min 51 s
